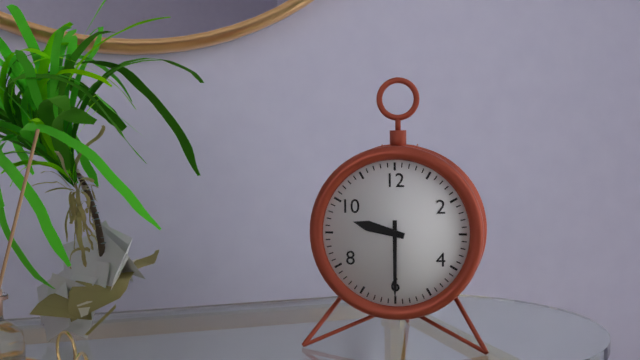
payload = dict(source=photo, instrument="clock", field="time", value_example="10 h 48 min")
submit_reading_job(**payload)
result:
9 h 30 min
